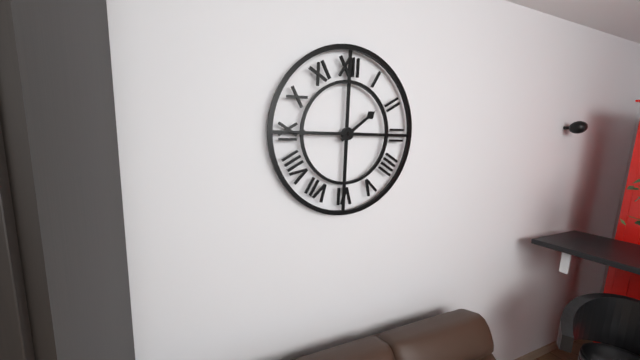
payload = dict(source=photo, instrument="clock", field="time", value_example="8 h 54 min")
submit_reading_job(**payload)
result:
1 h 45 min
